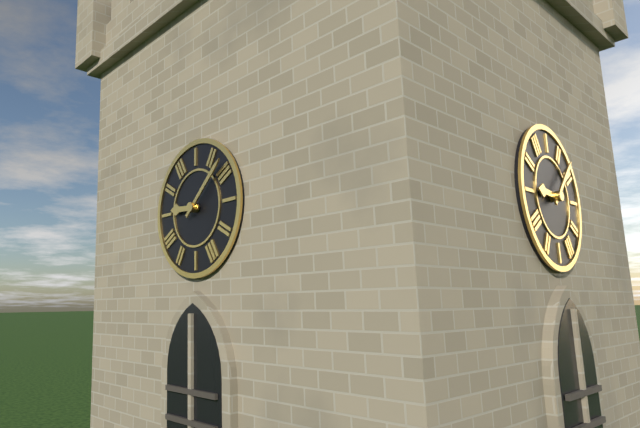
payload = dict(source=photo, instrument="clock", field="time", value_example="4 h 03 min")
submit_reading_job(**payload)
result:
9 h 08 min
